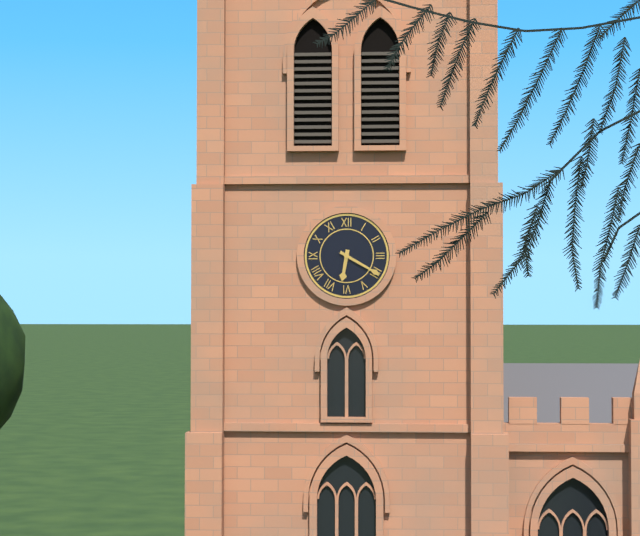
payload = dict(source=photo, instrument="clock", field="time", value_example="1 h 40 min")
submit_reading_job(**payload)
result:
6 h 20 min
